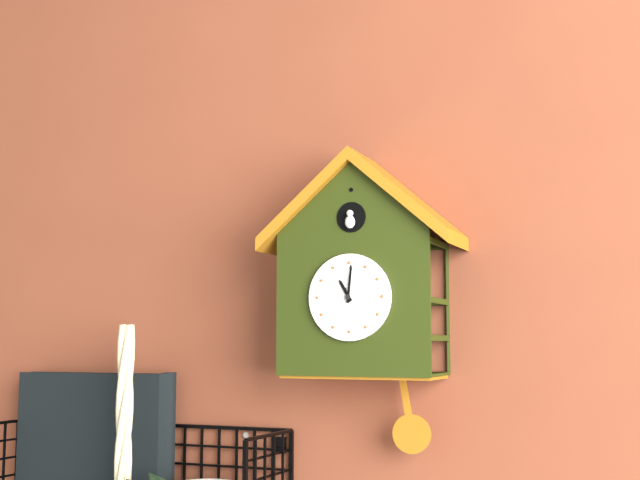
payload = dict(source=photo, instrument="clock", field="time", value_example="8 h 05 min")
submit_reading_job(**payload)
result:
11 h 01 min
